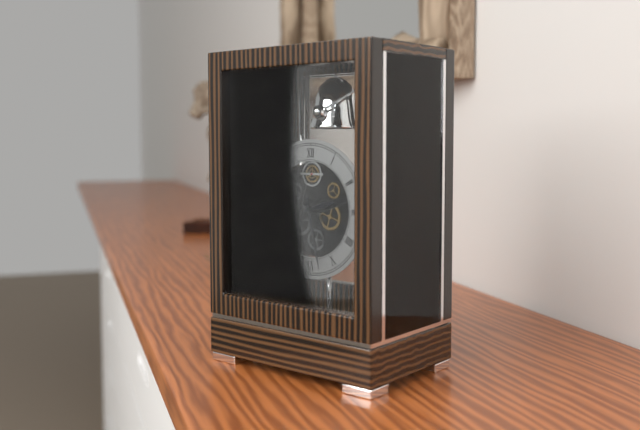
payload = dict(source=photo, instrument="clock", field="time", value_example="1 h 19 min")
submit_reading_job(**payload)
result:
2 h 28 min
